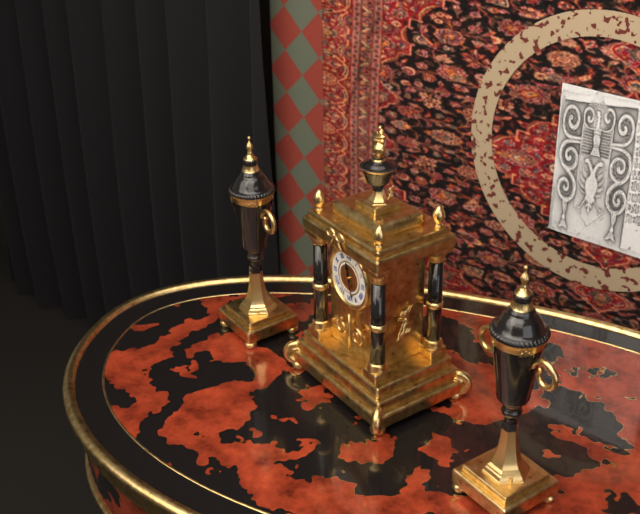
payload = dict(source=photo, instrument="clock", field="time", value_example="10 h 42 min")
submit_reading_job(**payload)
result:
11 h 27 min
